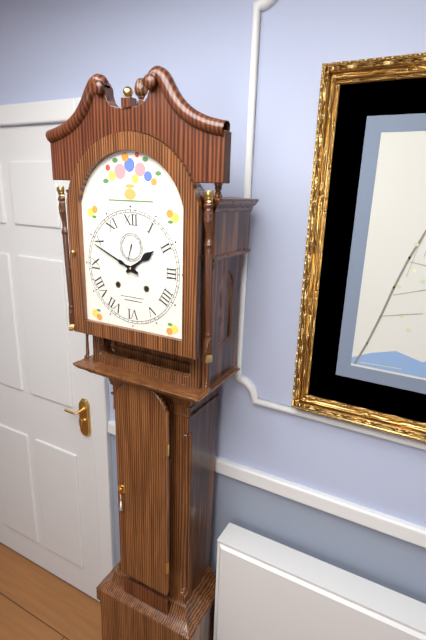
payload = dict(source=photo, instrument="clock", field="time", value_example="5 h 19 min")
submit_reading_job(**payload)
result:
1 h 49 min
